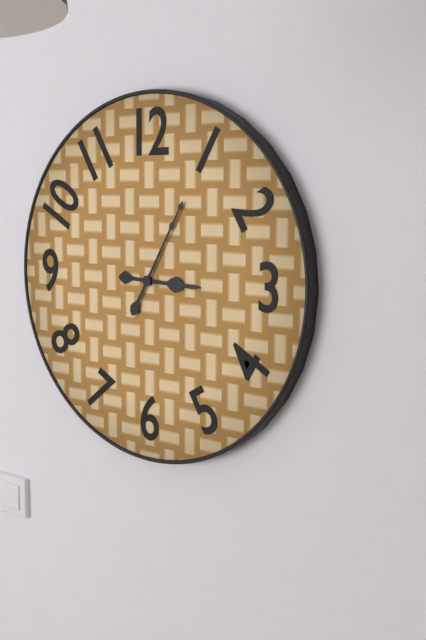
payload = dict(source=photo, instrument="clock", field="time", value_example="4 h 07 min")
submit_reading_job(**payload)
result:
3 h 05 min
